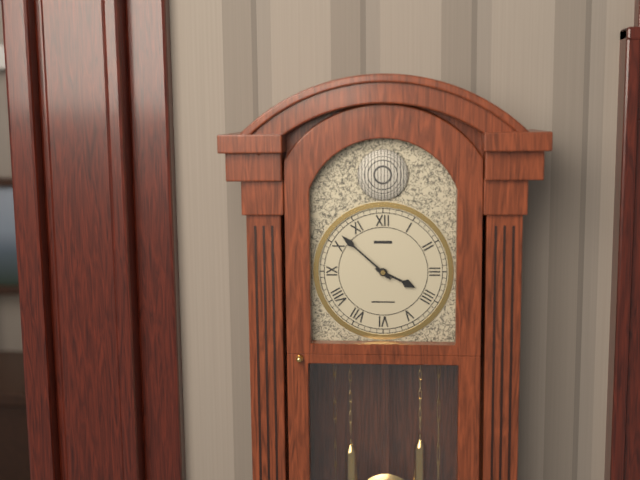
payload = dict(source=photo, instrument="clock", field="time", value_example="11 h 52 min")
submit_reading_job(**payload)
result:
3 h 52 min
